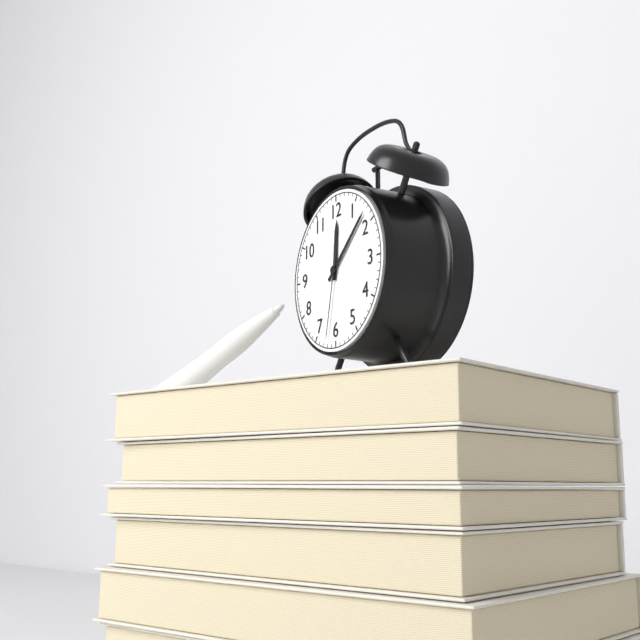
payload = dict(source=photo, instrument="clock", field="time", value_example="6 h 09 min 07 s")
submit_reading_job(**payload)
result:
12 h 08 min 32 s
